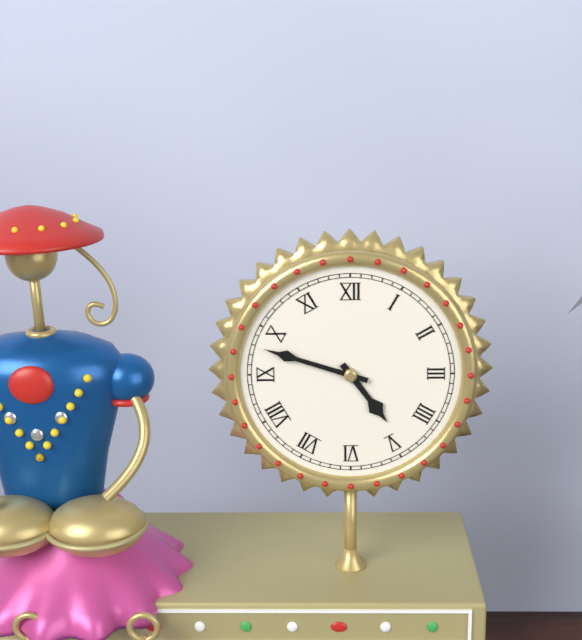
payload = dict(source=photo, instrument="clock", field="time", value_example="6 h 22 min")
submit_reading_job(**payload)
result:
4 h 48 min
